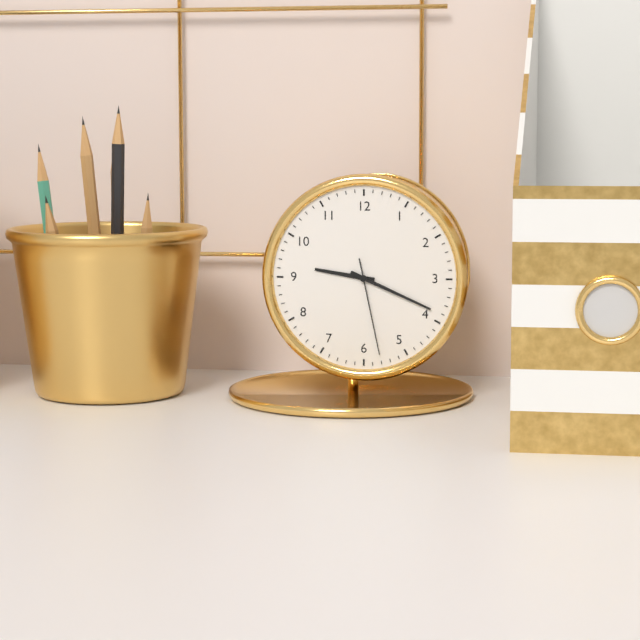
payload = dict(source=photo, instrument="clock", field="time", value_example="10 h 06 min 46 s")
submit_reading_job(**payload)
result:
9 h 19 min 28 s
